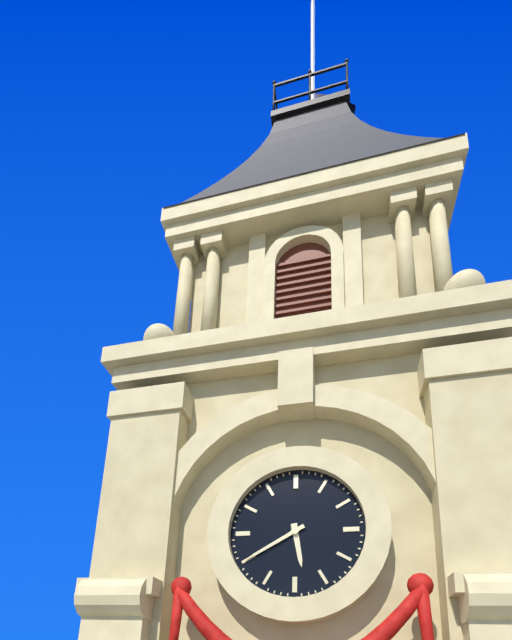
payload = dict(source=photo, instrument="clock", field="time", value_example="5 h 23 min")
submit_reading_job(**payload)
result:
5 h 40 min
